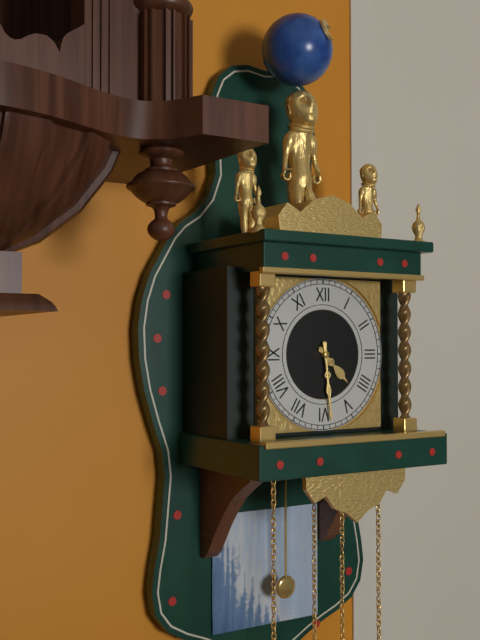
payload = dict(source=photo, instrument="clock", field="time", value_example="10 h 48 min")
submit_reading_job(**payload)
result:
4 h 29 min
